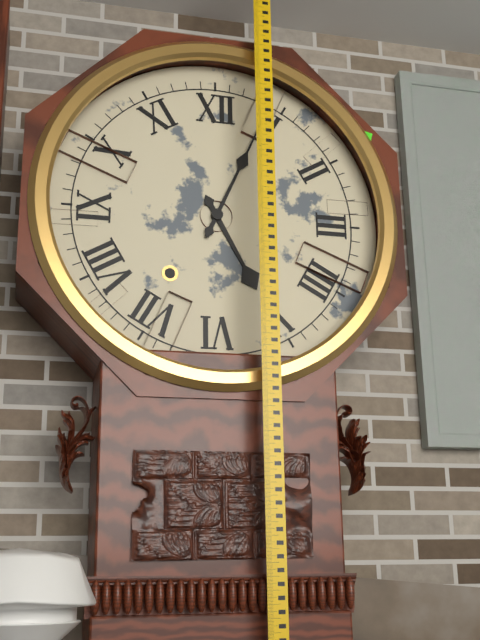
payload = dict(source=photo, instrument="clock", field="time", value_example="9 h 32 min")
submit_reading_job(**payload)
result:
5 h 04 min
